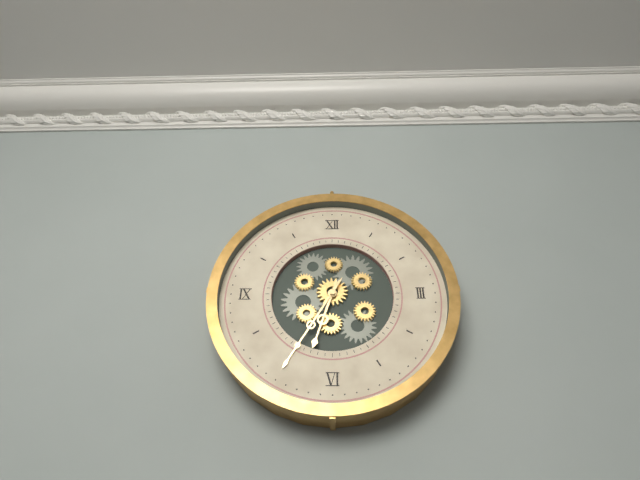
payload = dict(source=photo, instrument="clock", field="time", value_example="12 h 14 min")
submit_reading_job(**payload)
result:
6 h 35 min
